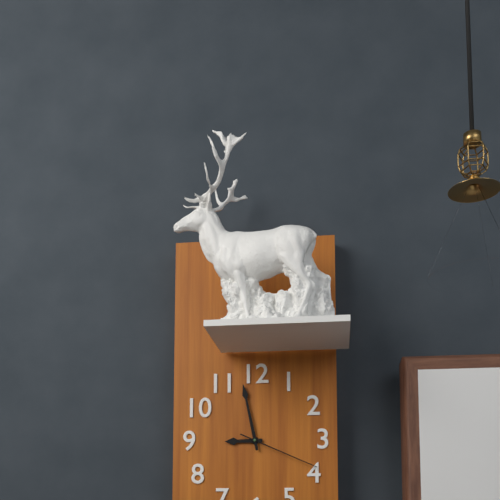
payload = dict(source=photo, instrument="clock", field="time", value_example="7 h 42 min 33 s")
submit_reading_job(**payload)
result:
8 h 58 min 19 s
